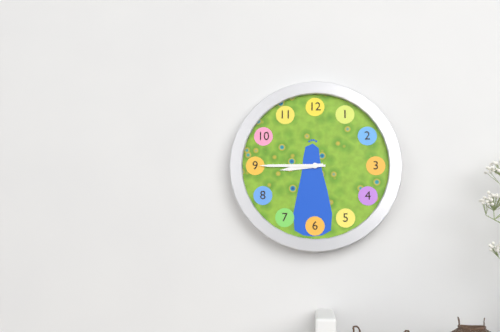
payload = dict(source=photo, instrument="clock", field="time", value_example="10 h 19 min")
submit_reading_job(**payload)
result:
8 h 45 min
